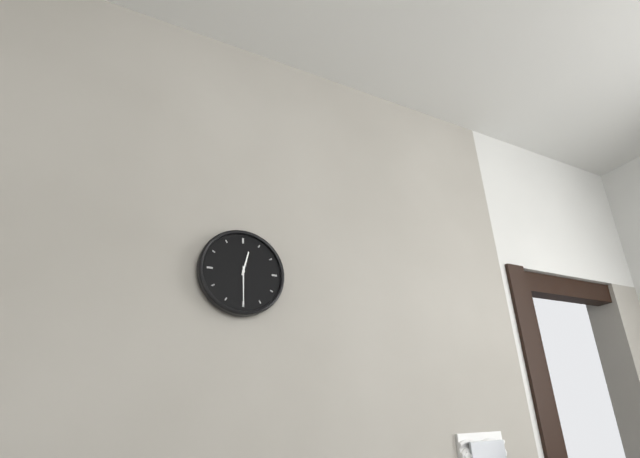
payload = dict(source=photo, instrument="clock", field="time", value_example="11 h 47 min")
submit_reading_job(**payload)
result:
12 h 30 min
